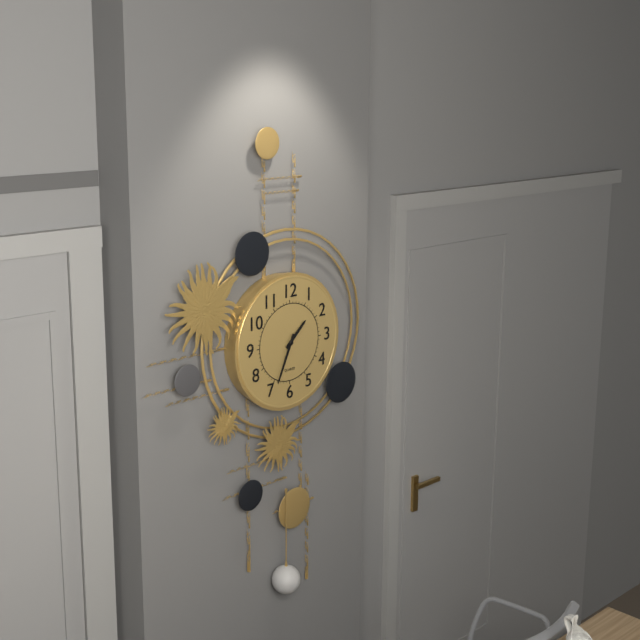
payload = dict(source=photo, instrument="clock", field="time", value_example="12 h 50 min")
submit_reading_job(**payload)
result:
1 h 34 min
